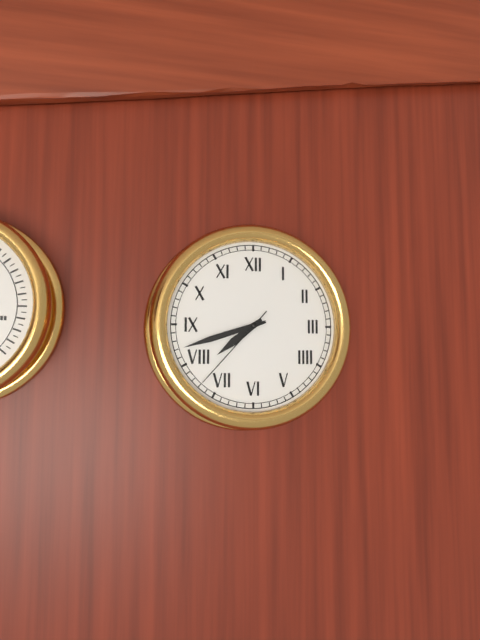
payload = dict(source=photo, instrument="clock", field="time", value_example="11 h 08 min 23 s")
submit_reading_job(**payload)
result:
7 h 42 min 37 s
